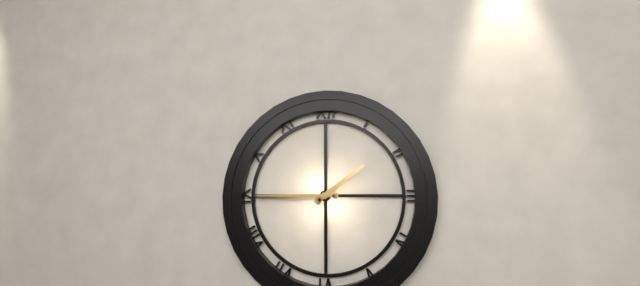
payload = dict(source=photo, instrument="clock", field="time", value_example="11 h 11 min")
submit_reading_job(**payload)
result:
1 h 45 min
